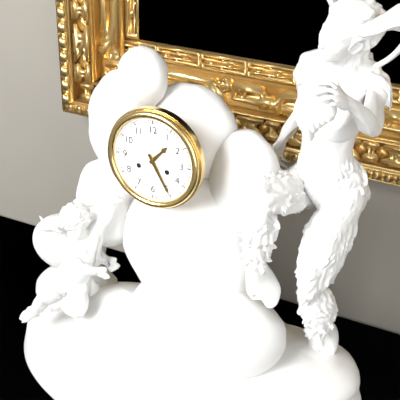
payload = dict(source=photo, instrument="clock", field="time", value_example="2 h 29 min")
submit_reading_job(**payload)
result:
1 h 25 min
